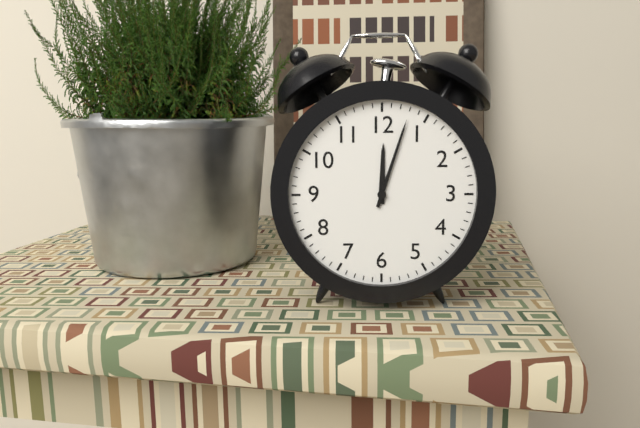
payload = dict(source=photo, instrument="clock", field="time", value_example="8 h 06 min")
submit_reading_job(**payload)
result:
12 h 03 min
